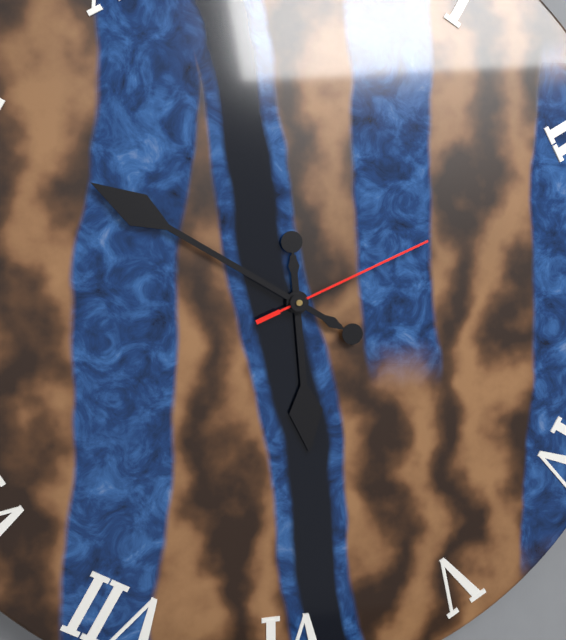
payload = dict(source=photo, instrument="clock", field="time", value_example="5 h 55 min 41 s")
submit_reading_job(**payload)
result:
5 h 50 min 11 s
